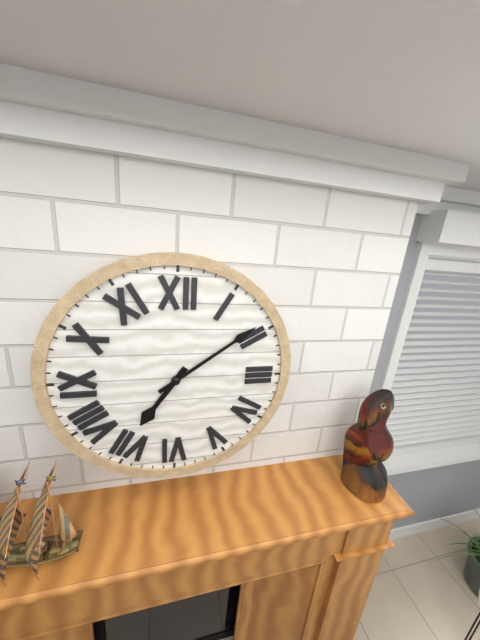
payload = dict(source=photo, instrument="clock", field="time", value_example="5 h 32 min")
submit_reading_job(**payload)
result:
7 h 09 min
